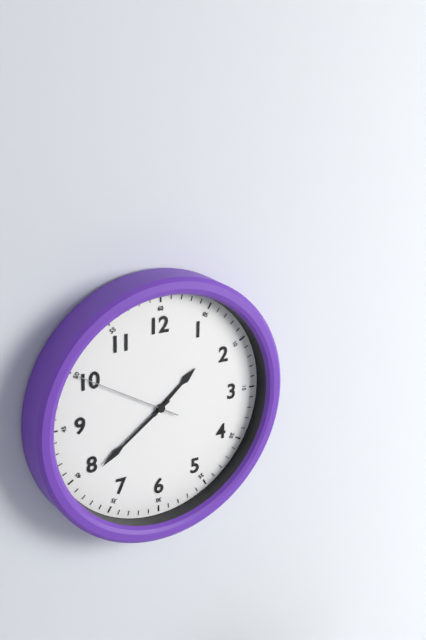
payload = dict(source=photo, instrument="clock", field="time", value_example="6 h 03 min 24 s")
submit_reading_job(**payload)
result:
1 h 39 min 50 s
